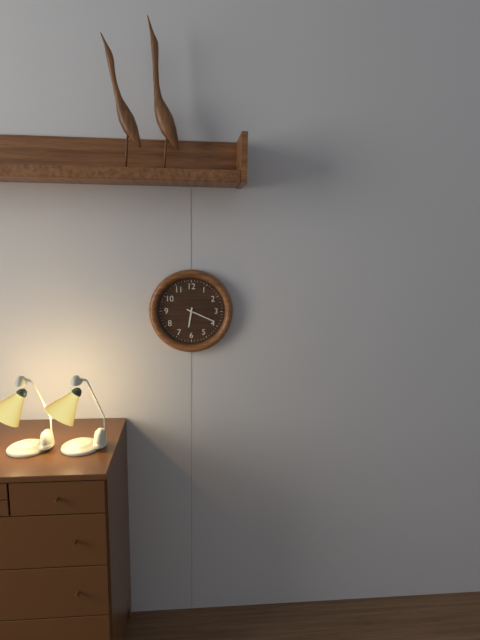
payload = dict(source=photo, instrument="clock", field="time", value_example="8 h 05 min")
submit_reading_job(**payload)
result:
6 h 19 min
